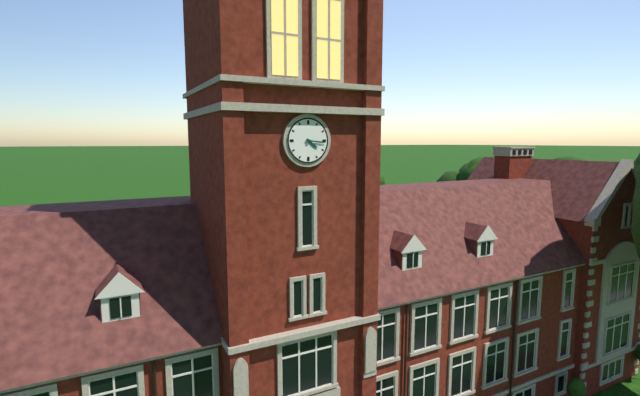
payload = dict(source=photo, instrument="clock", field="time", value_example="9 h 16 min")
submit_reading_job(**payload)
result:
4 h 16 min
